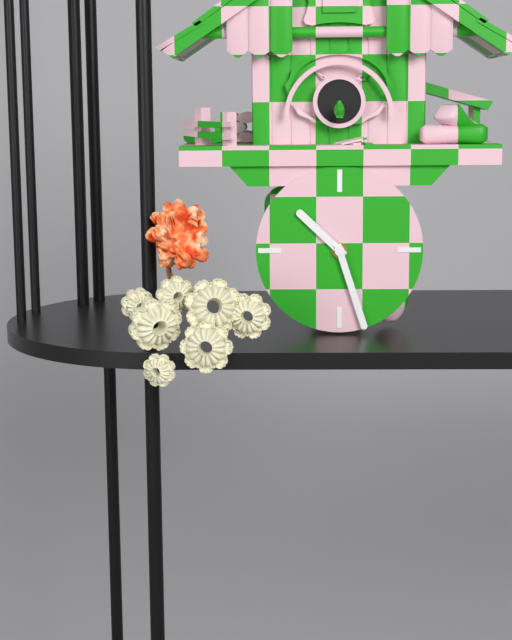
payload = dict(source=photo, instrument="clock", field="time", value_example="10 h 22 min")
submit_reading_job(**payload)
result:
10 h 27 min
